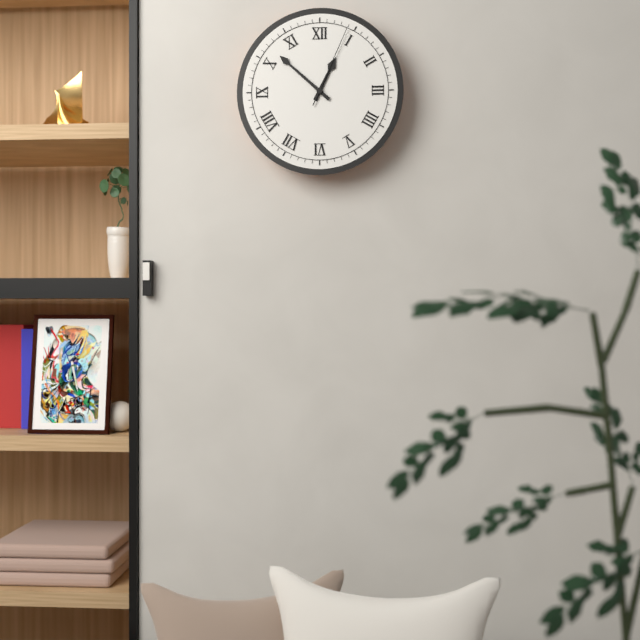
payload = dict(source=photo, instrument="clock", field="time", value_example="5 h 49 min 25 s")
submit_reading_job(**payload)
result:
12 h 52 min 04 s
